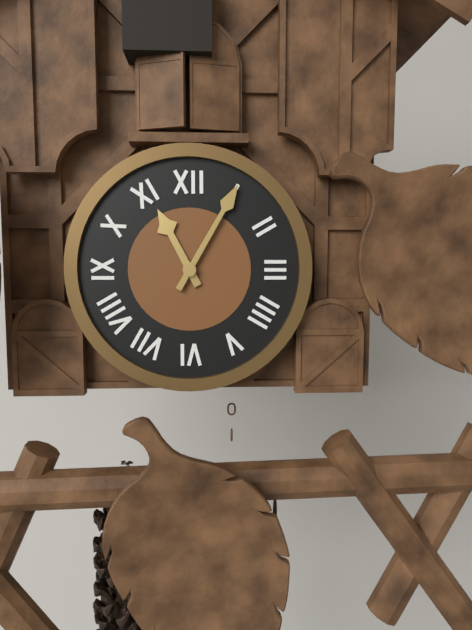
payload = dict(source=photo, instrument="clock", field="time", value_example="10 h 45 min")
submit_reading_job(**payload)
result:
11 h 05 min
